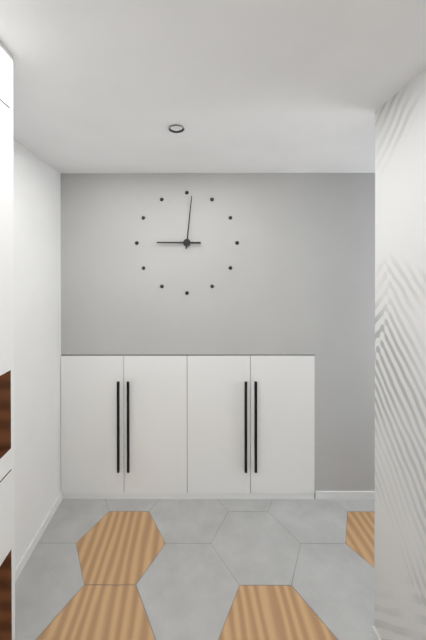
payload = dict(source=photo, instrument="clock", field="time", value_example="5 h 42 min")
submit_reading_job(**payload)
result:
9 h 01 min
